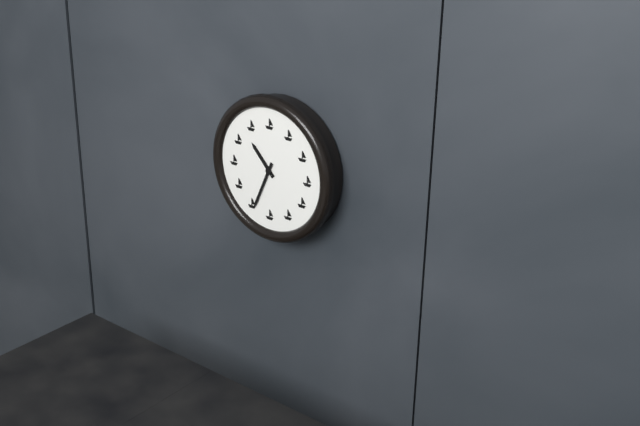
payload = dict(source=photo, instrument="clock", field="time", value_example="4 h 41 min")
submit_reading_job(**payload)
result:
10 h 34 min
